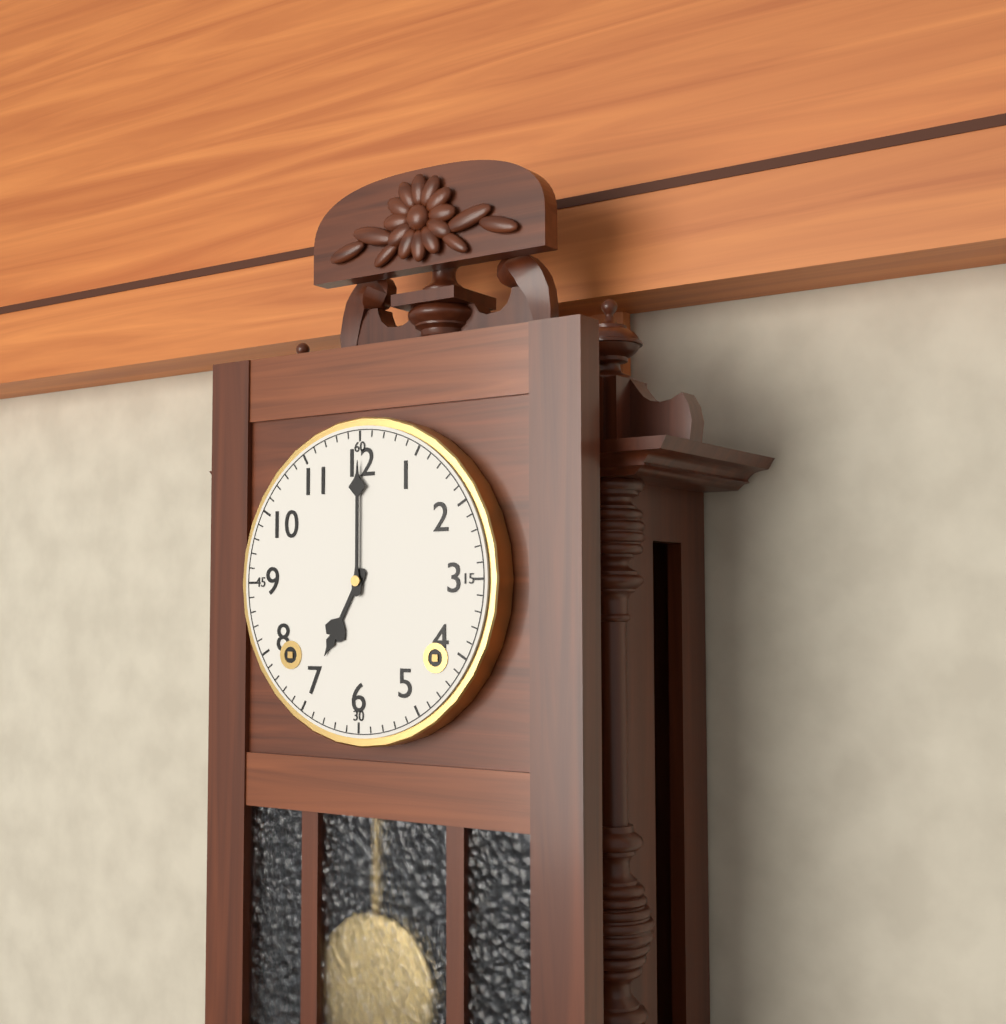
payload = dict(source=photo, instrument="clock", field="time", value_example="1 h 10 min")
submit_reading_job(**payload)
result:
7 h 00 min
